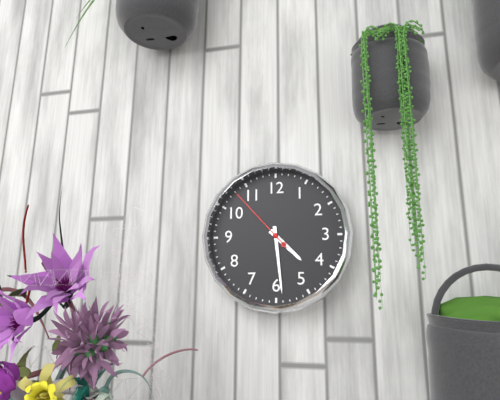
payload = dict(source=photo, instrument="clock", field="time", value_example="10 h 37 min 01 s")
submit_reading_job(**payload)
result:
4 h 29 min 53 s
